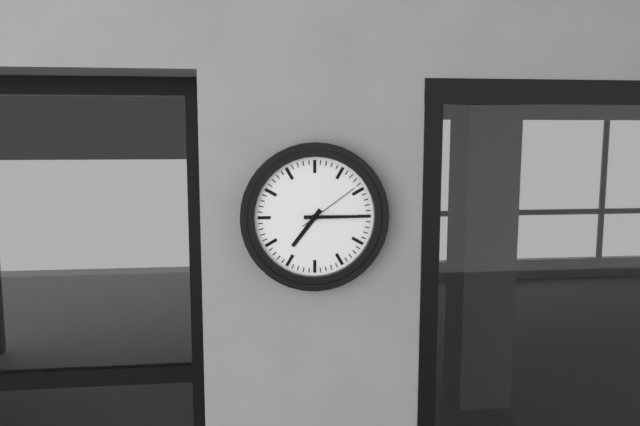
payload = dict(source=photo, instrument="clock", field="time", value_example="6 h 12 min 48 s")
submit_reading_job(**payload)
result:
7 h 15 min 09 s
